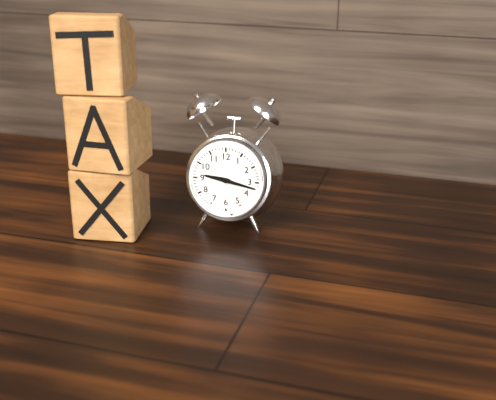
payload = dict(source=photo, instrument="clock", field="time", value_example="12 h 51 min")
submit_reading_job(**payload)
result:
9 h 17 min
